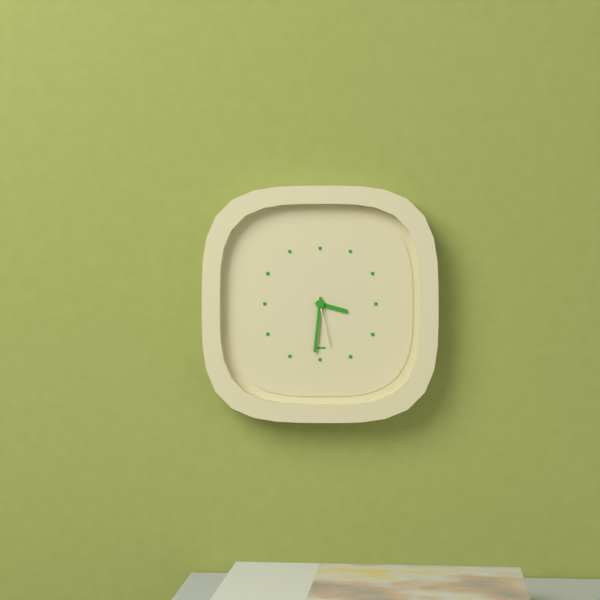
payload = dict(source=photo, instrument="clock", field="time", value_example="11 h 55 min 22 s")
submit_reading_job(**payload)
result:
3 h 31 min 28 s
